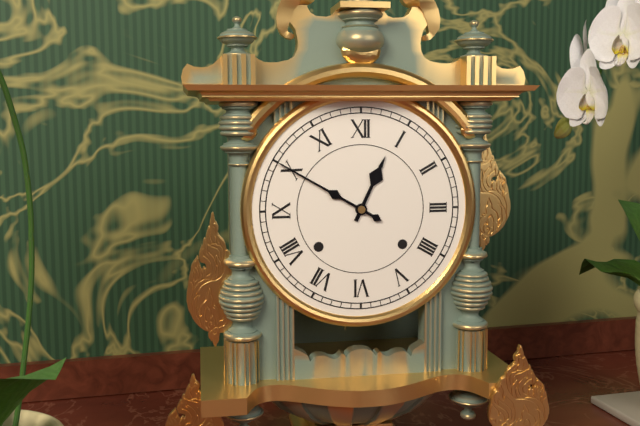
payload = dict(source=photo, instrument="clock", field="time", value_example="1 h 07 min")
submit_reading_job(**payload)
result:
12 h 50 min
